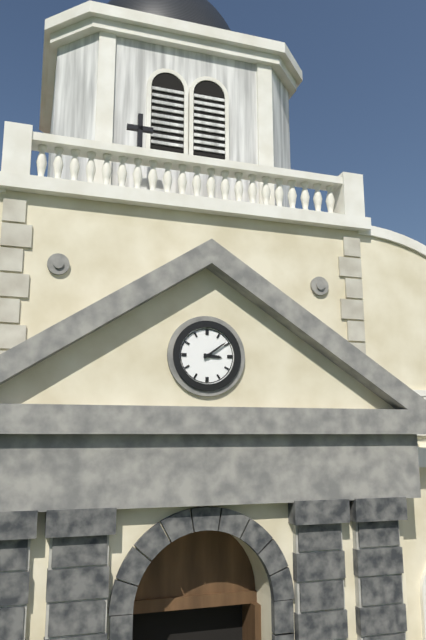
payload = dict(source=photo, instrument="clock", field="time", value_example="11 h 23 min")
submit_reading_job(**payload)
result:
3 h 09 min
